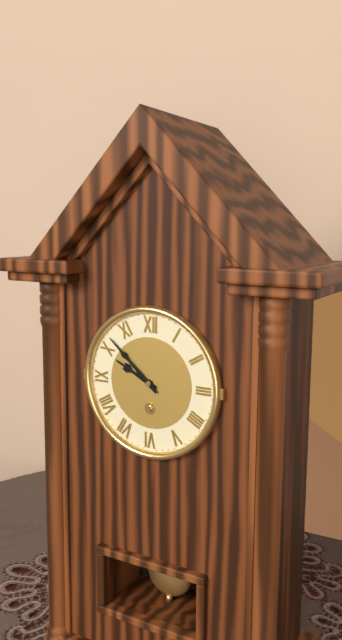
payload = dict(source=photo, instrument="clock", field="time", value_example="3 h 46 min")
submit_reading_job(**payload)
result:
9 h 52 min
